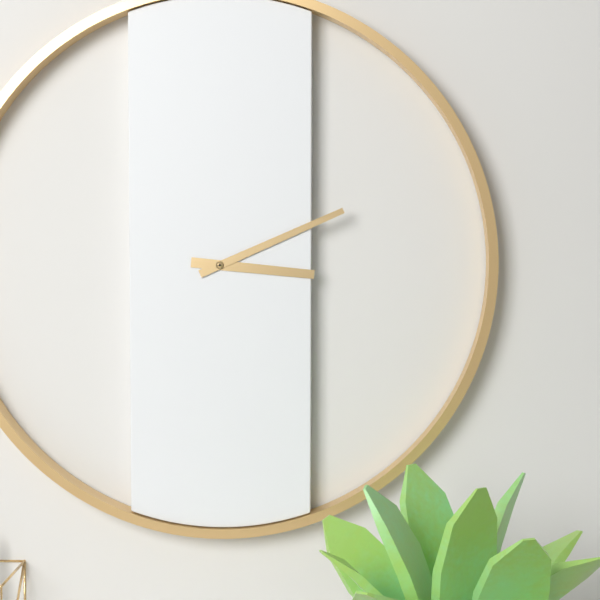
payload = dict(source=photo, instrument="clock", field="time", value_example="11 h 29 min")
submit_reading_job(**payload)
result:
3 h 11 min
